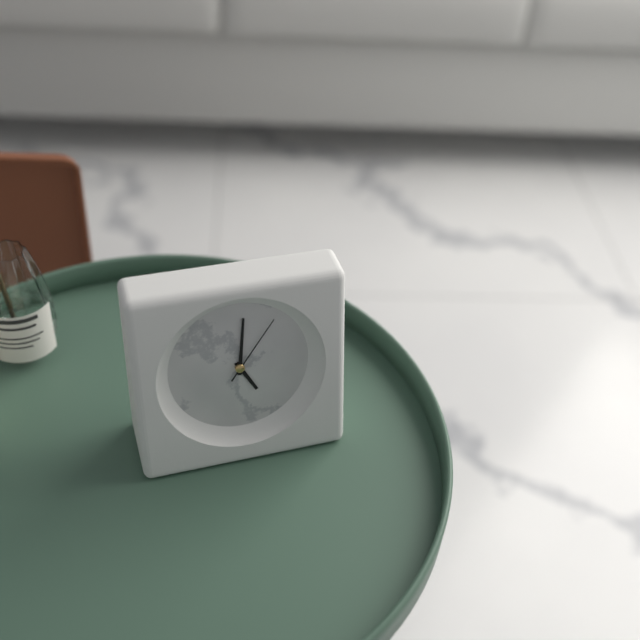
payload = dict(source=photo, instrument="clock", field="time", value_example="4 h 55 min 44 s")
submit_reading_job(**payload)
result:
5 h 01 min 06 s
